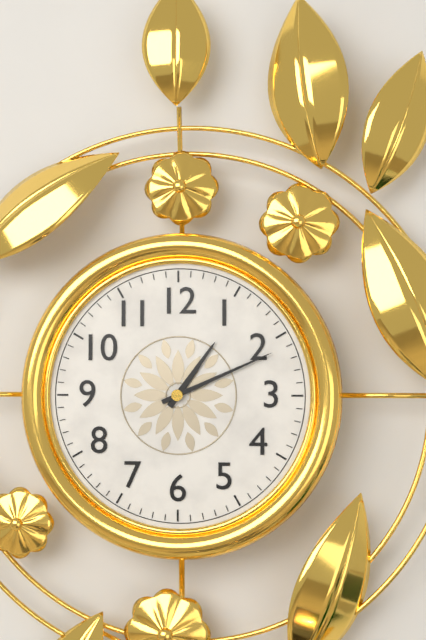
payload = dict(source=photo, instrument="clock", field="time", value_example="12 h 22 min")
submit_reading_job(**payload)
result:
1 h 11 min
